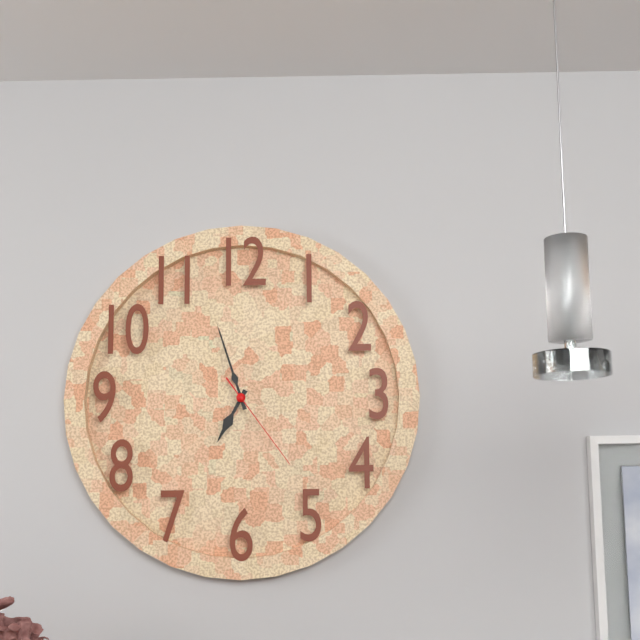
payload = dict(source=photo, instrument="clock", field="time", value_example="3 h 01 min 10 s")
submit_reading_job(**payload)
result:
6 h 57 min 24 s
